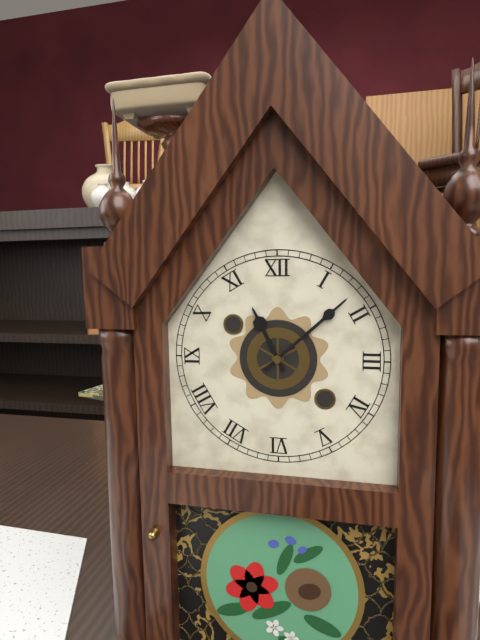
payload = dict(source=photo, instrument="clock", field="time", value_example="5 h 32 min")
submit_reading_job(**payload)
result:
11 h 08 min
